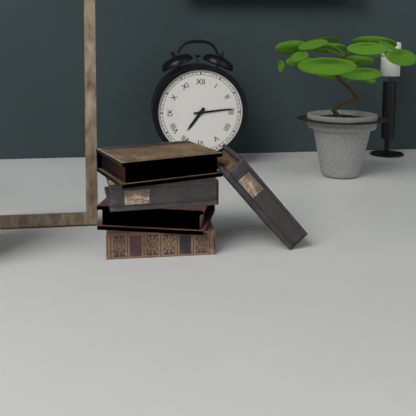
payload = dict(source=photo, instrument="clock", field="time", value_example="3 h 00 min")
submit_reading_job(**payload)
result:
7 h 14 min
